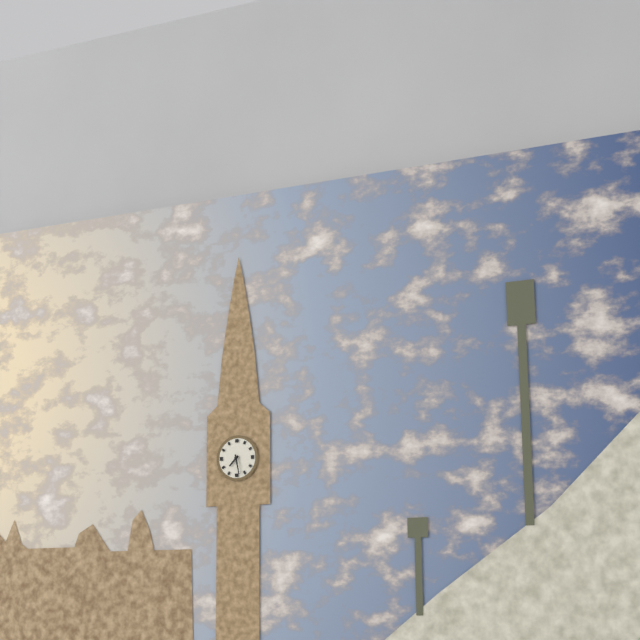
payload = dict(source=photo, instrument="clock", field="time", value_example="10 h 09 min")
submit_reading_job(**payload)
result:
7 h 28 min
